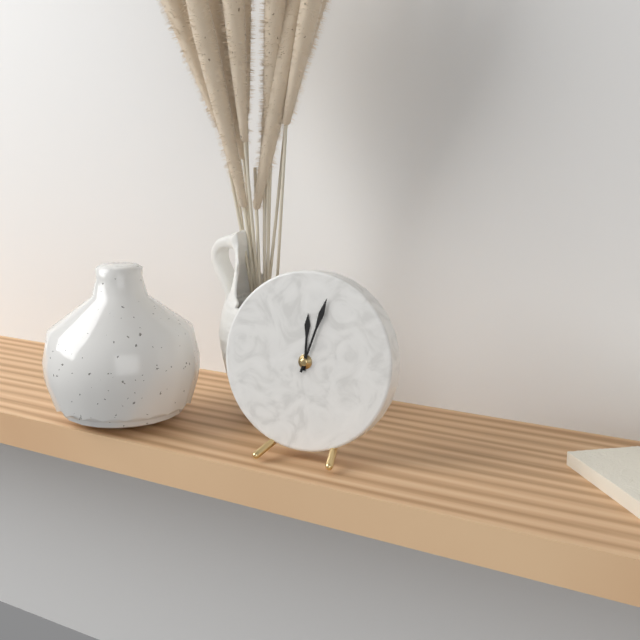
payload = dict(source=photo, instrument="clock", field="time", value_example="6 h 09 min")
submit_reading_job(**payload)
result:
12 h 03 min
